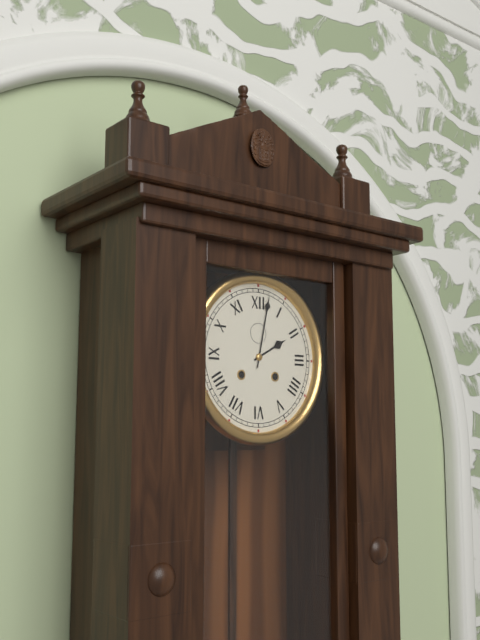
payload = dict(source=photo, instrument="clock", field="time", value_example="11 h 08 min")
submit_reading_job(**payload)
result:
2 h 02 min
